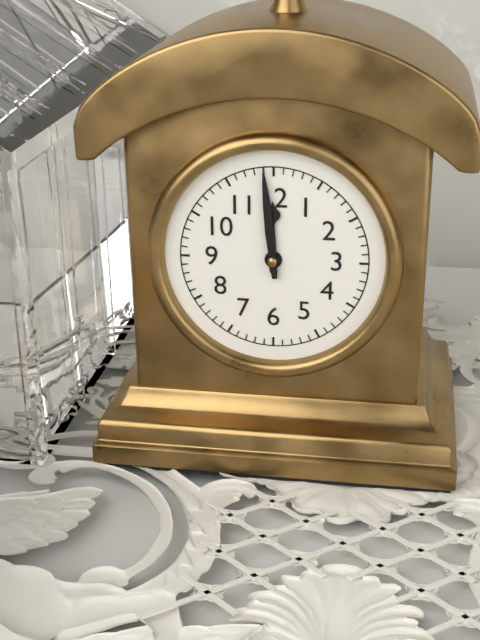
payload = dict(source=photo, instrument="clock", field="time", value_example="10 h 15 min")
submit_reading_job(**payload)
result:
11 h 59 min
